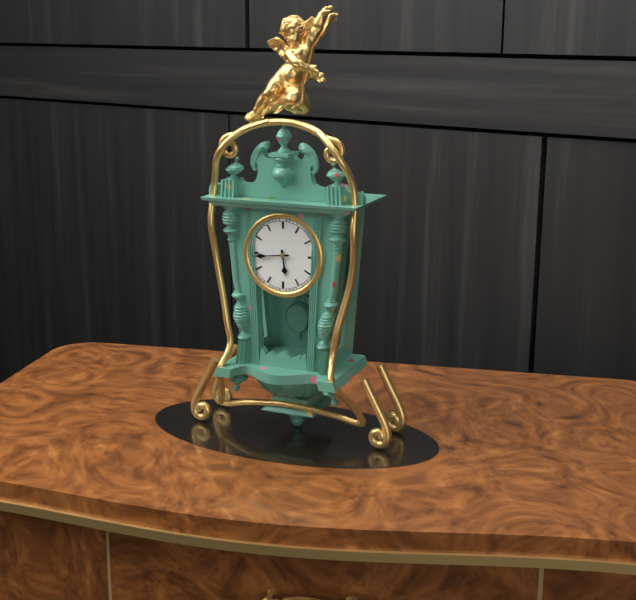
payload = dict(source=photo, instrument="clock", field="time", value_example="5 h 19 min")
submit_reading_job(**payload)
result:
5 h 44 min
